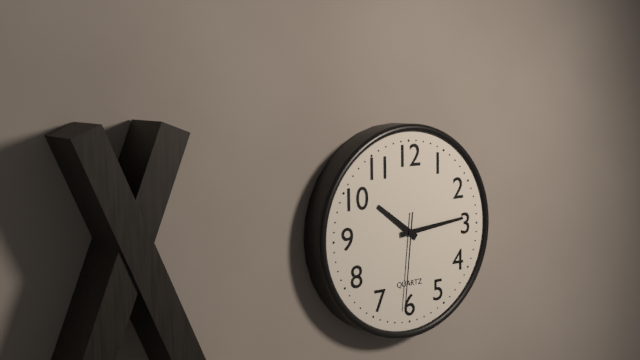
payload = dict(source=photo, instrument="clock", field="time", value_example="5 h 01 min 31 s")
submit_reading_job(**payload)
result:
10 h 14 min 31 s
